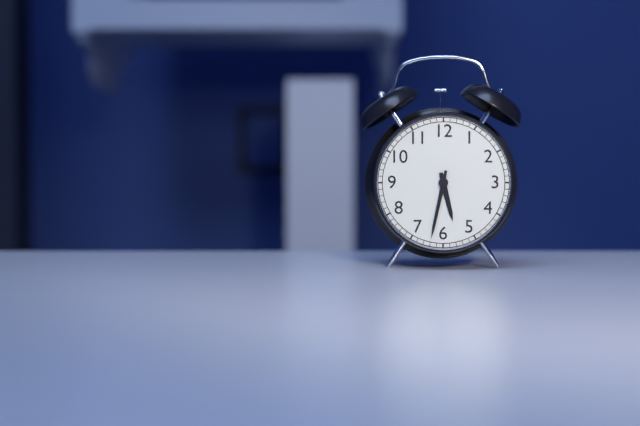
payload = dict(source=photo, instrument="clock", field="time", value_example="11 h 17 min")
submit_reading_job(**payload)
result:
5 h 32 min
